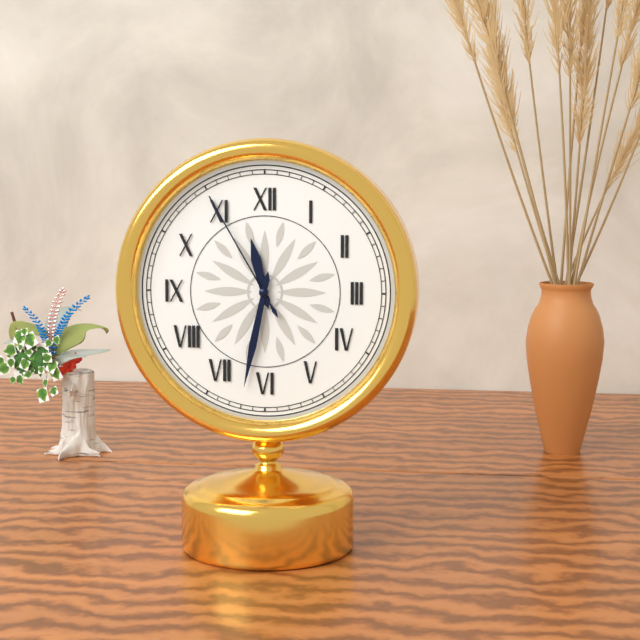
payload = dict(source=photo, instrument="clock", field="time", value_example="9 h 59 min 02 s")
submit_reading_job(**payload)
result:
11 h 32 min 55 s
